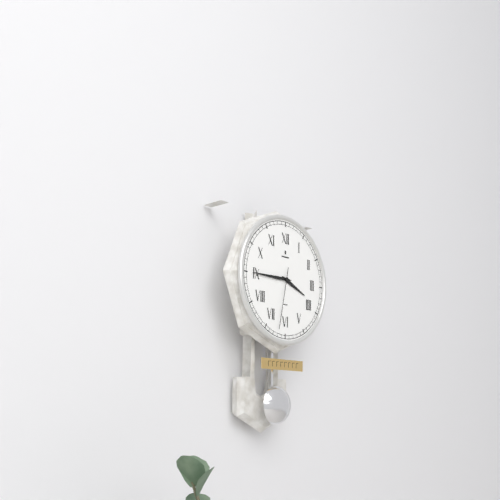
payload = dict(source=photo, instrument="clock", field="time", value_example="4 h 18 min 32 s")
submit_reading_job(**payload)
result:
3 h 45 min 32 s
